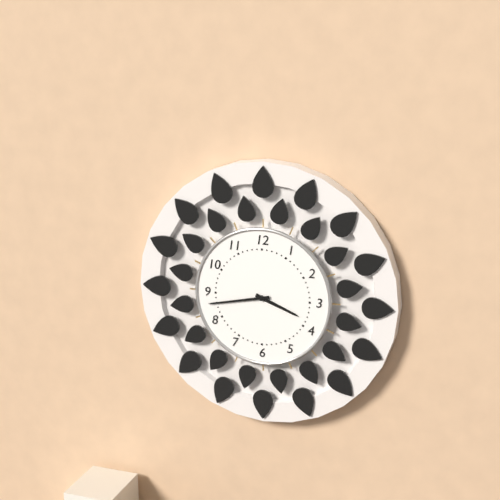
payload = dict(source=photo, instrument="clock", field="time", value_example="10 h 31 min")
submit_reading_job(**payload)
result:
3 h 43 min
